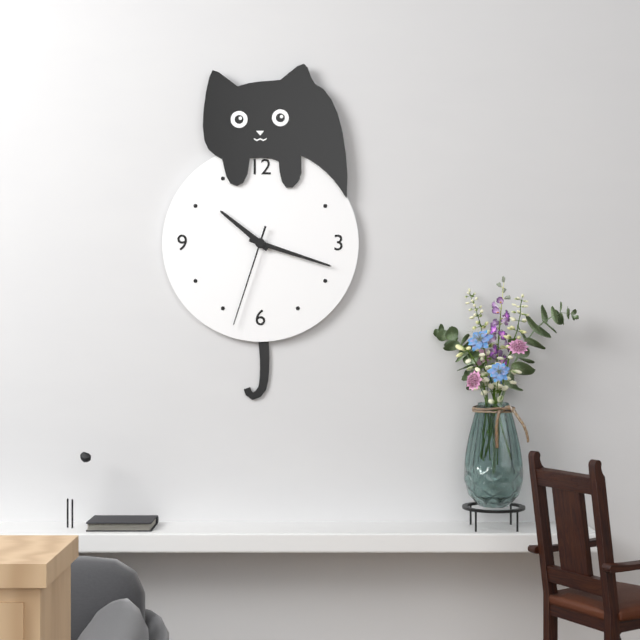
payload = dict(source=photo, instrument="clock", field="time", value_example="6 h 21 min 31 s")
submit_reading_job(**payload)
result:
10 h 18 min 33 s
